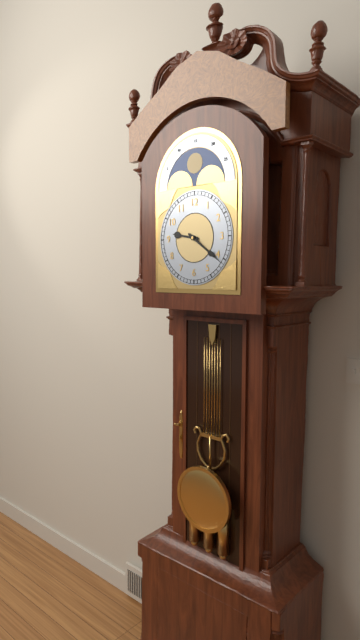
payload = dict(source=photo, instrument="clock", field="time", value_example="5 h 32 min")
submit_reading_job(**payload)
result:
9 h 21 min
